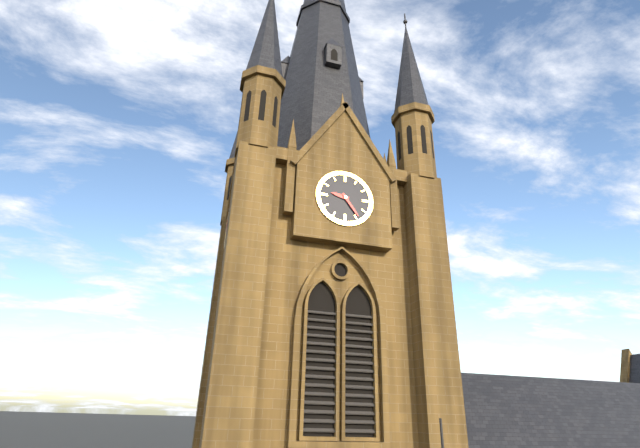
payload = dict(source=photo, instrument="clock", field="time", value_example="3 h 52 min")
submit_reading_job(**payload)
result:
9 h 24 min
